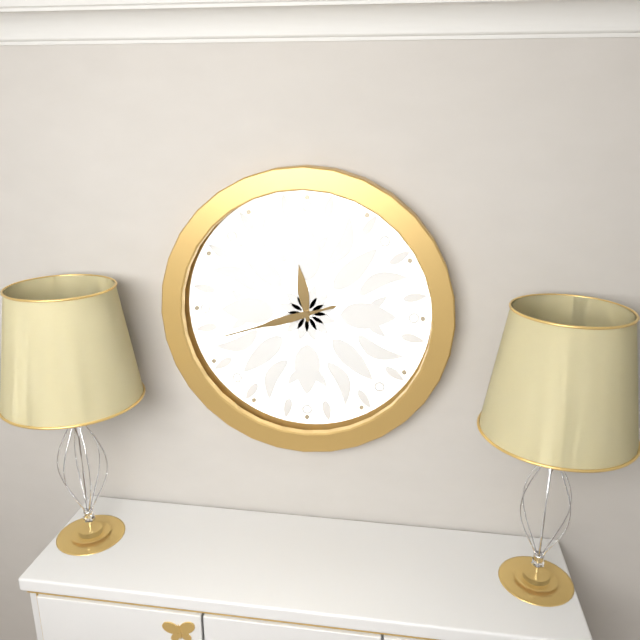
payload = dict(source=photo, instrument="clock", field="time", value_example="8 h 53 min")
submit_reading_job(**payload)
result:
11 h 42 min
